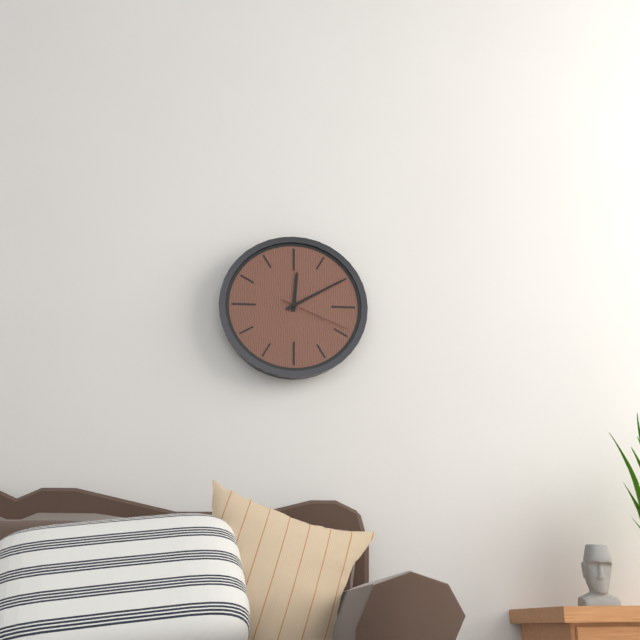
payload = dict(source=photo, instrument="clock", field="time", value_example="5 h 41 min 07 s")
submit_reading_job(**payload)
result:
12 h 10 min 19 s
